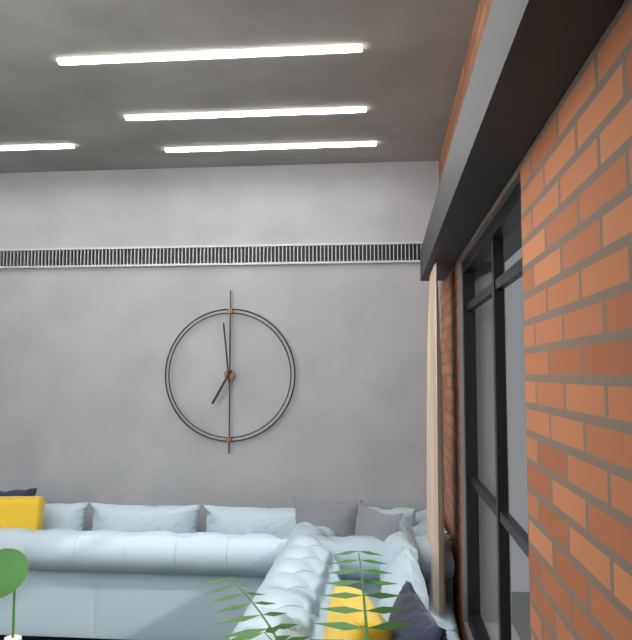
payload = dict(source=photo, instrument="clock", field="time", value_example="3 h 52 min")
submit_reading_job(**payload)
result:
6 h 59 min
